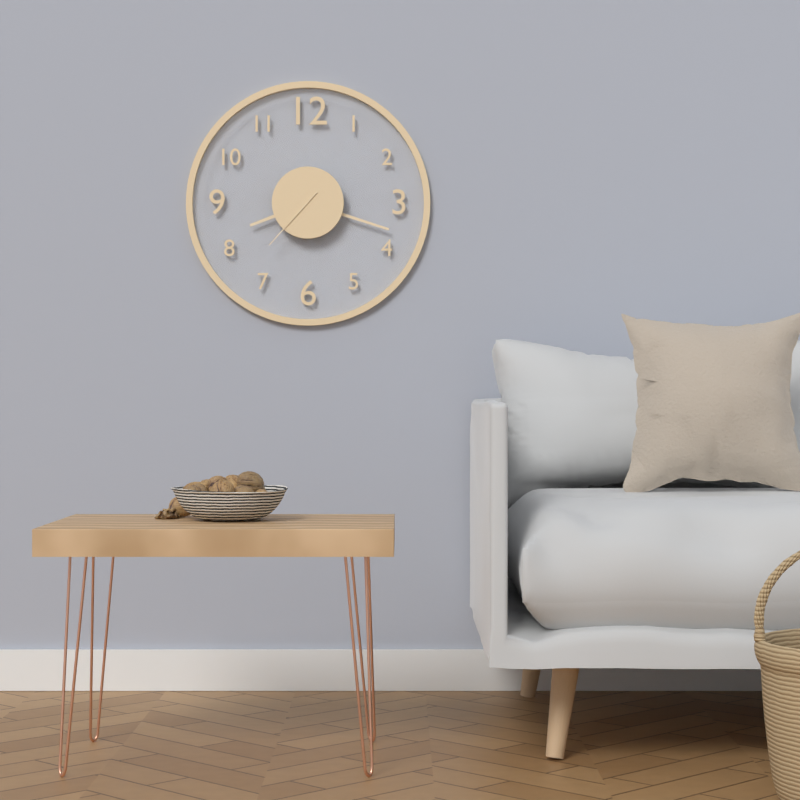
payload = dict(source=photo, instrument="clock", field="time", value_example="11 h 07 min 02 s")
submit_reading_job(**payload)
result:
8 h 18 min 37 s
